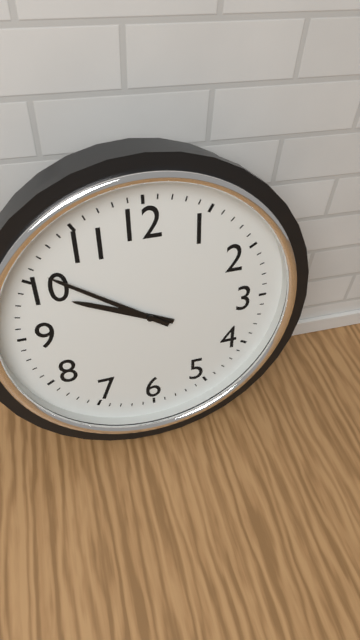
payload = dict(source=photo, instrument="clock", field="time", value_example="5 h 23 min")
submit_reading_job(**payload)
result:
9 h 51 min
